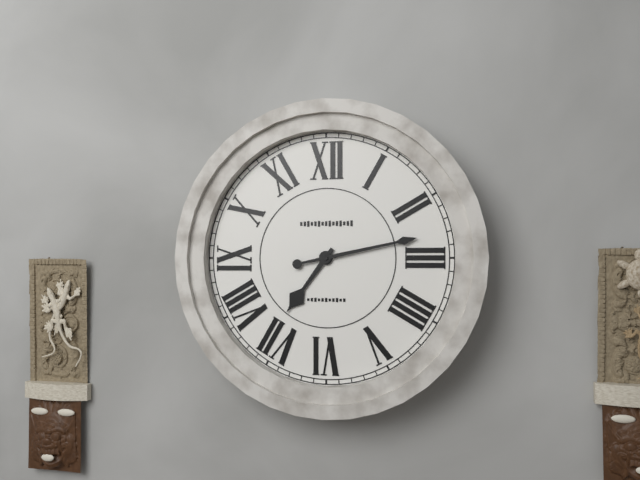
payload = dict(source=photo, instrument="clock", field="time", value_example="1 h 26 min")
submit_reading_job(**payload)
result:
7 h 13 min
